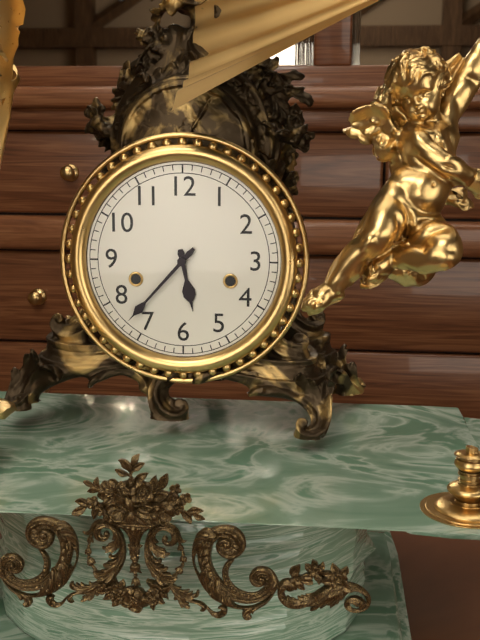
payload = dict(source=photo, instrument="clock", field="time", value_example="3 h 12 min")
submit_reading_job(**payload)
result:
5 h 37 min
